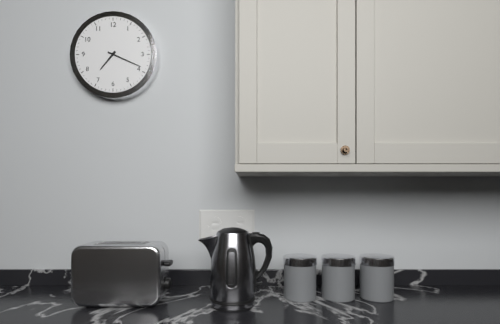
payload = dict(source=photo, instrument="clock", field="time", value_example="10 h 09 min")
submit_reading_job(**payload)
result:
7 h 19 min
